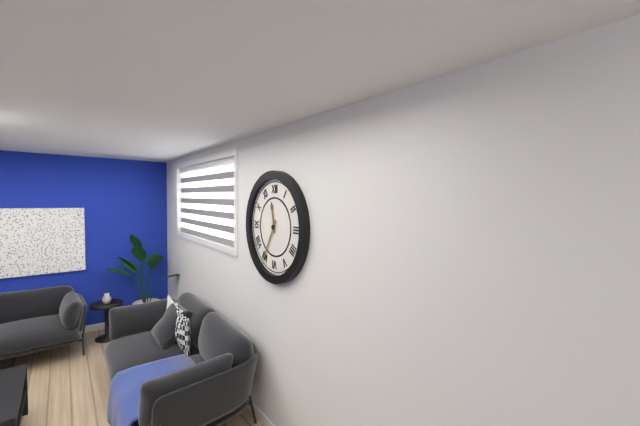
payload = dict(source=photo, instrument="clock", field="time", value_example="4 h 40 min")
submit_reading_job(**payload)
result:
11 h 35 min
